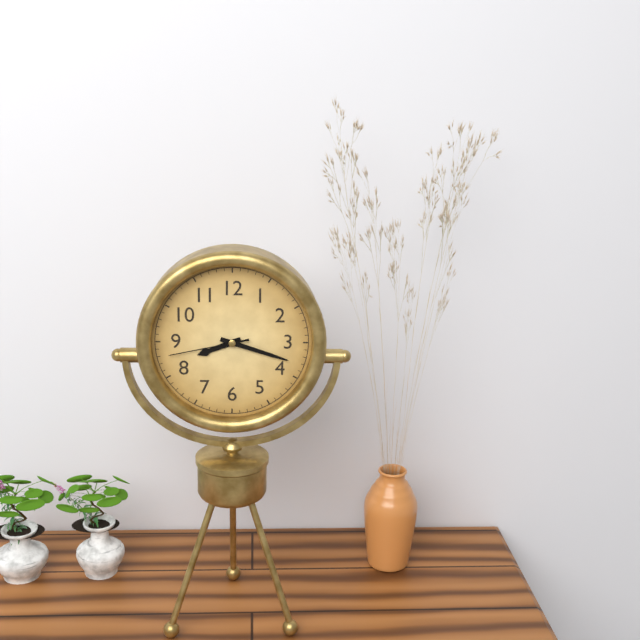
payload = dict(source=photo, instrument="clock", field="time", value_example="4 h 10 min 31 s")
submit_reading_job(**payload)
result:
8 h 18 min 43 s
